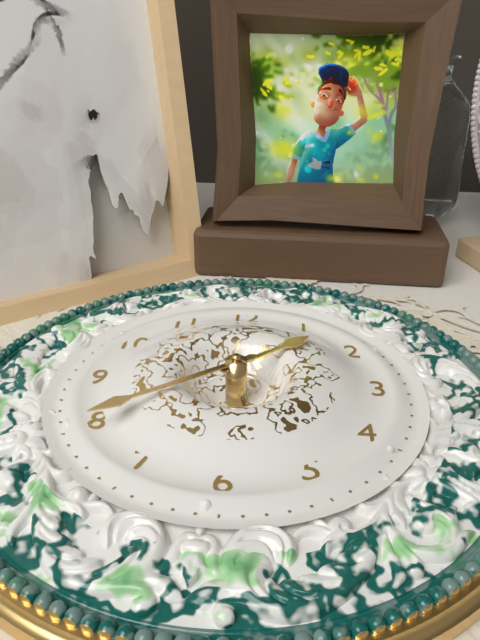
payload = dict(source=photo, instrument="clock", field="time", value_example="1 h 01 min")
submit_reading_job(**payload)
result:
1 h 39 min
